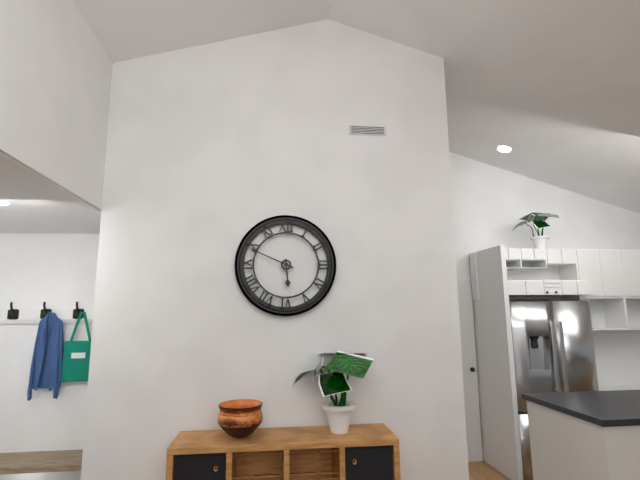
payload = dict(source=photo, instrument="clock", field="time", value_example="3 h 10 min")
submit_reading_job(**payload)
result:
5 h 49 min
